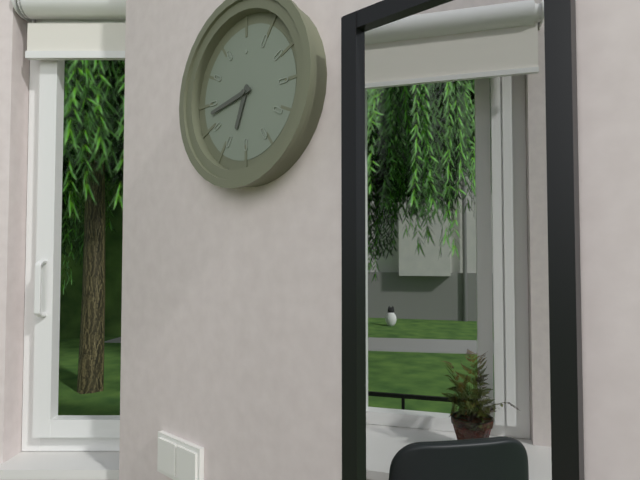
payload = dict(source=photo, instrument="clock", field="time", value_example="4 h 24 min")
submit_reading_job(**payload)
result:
6 h 43 min
